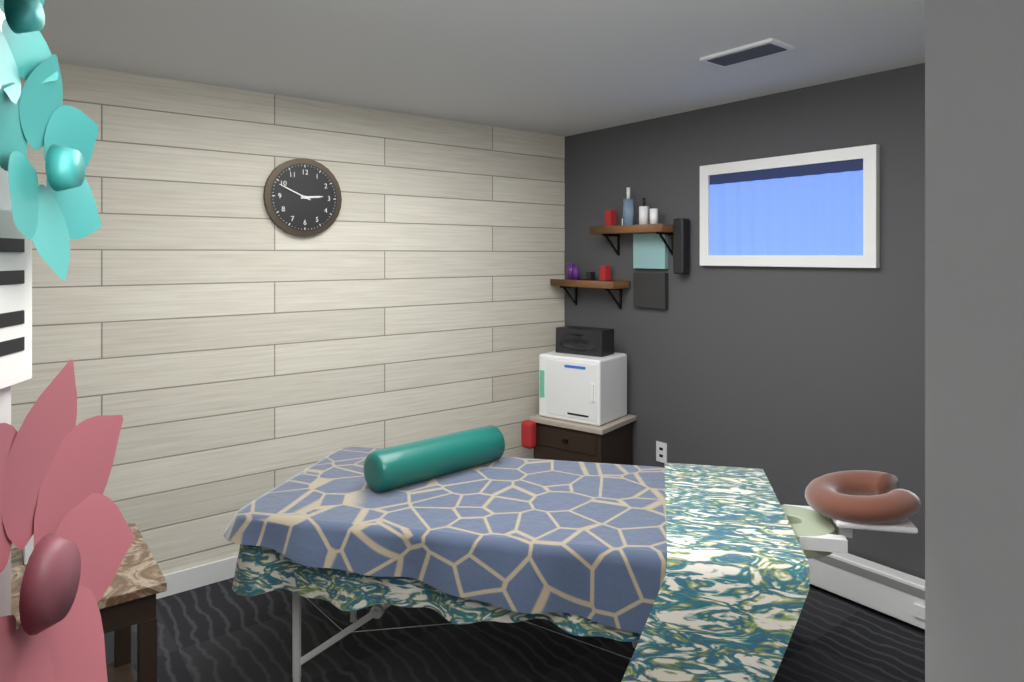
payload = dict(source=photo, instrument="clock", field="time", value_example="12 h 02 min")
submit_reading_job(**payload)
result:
2 h 49 min
